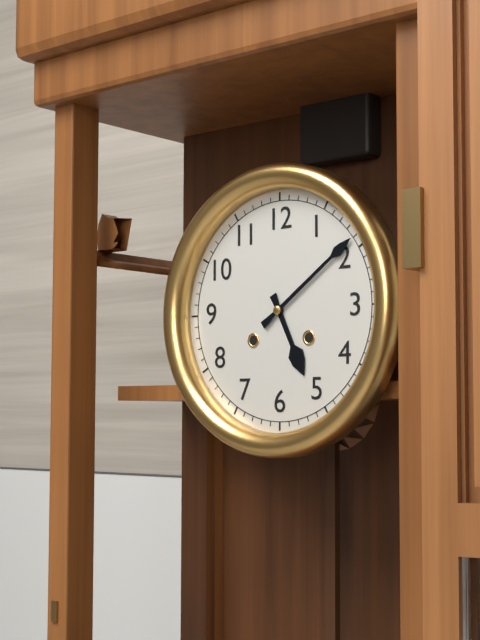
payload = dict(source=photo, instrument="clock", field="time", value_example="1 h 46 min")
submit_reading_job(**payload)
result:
5 h 09 min
